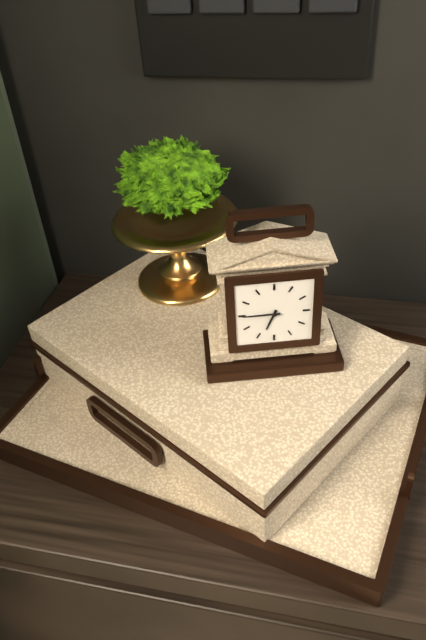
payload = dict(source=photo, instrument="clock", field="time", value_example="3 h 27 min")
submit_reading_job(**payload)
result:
6 h 45 min
